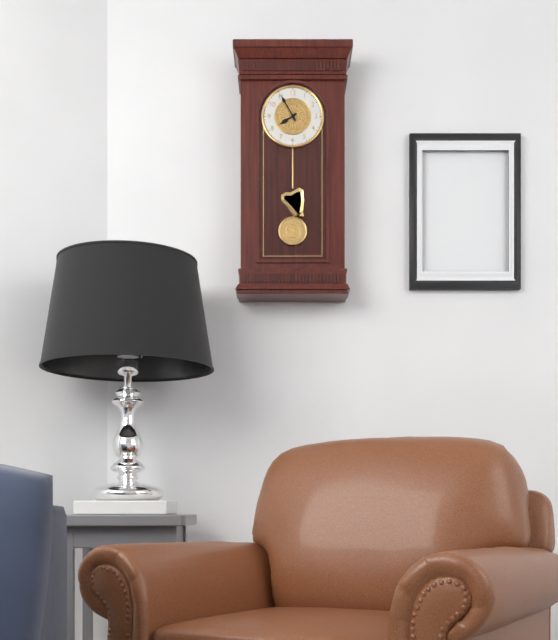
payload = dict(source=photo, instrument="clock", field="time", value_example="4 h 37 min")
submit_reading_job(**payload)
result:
7 h 55 min
